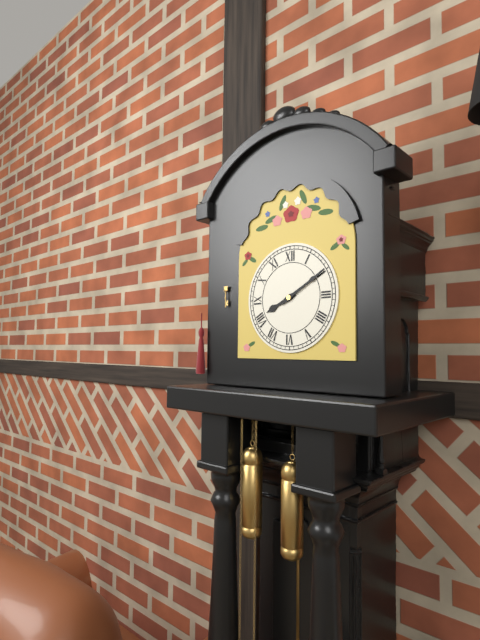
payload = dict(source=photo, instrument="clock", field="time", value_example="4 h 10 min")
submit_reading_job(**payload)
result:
8 h 10 min
